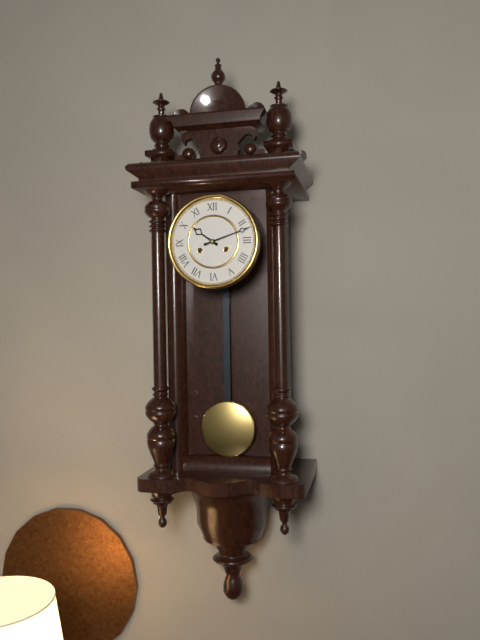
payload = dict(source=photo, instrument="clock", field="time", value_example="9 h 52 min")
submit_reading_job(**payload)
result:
10 h 12 min
